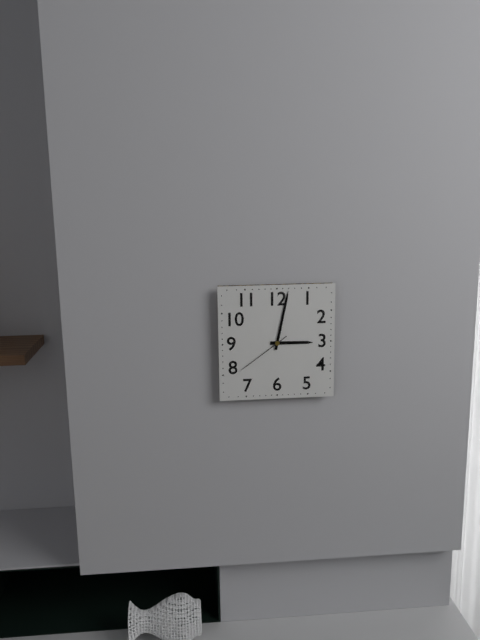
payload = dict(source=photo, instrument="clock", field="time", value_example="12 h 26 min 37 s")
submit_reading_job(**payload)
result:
3 h 02 min 39 s
